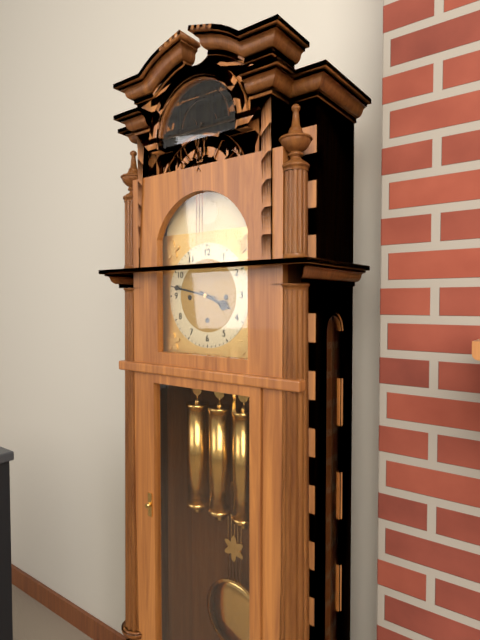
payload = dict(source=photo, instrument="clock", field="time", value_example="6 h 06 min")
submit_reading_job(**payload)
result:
3 h 47 min
